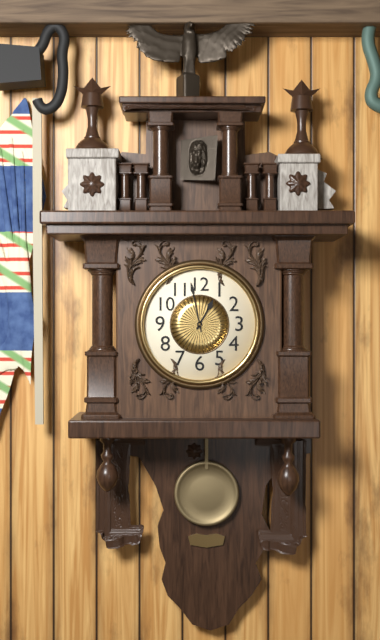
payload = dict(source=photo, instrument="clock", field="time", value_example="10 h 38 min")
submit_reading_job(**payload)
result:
12 h 58 min
